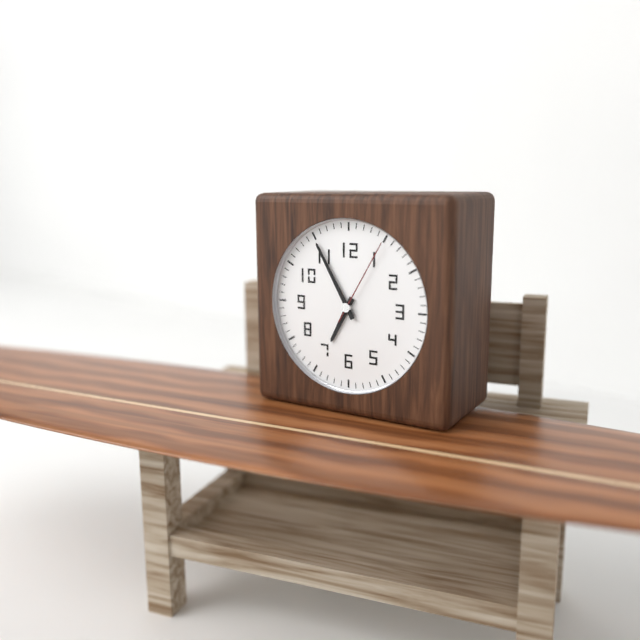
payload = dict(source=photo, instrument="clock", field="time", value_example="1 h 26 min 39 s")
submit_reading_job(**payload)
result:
6 h 55 min 05 s
